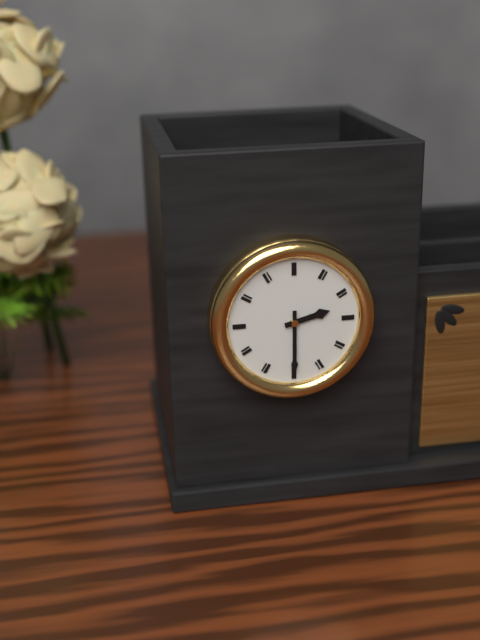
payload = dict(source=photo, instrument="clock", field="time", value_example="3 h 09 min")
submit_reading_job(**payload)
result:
2 h 30 min
